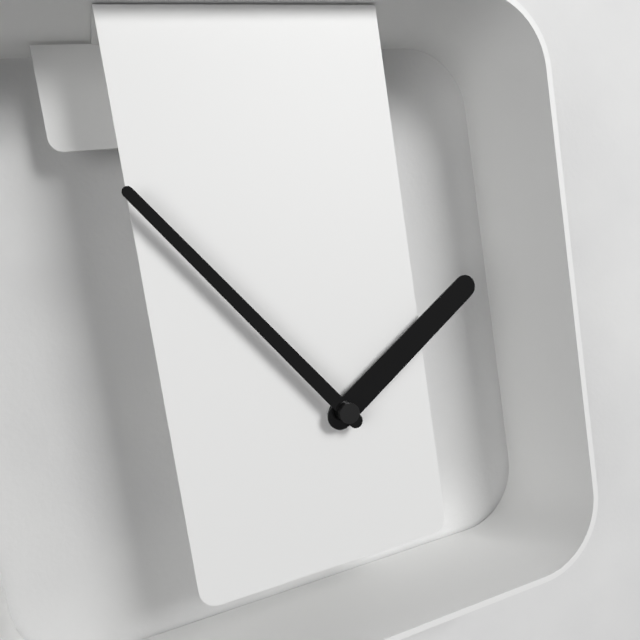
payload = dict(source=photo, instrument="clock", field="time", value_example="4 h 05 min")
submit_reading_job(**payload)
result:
1 h 54 min
